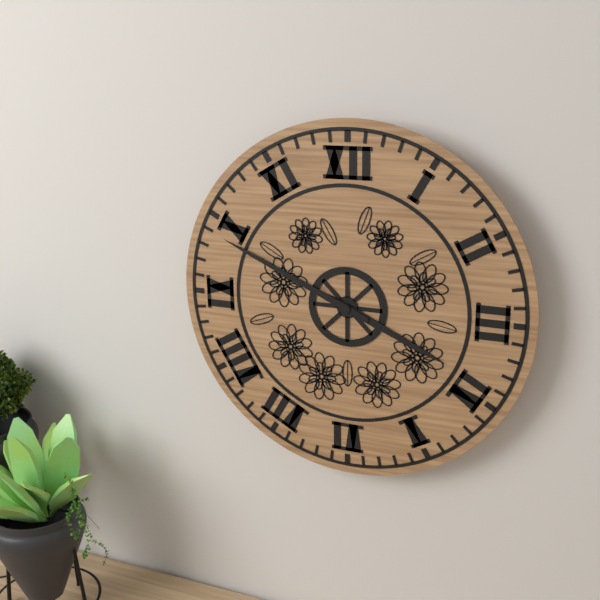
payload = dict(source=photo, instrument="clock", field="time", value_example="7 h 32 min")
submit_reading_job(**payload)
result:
3 h 49 min
